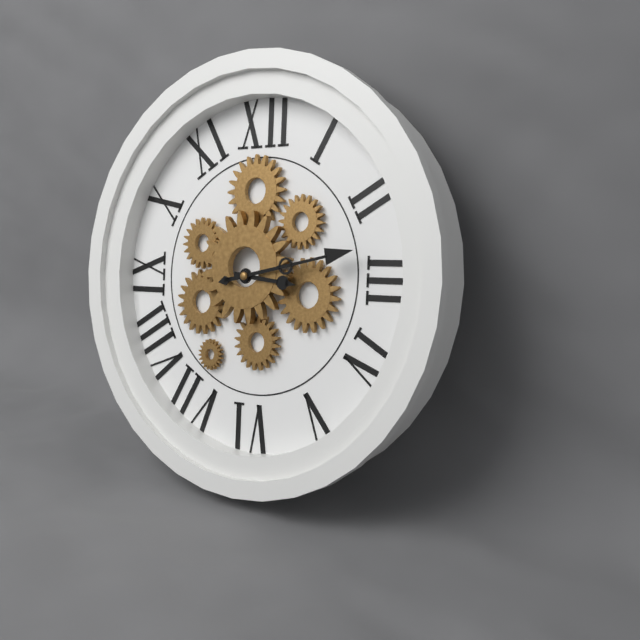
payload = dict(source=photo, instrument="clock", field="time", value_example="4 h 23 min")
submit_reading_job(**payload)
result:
3 h 13 min
